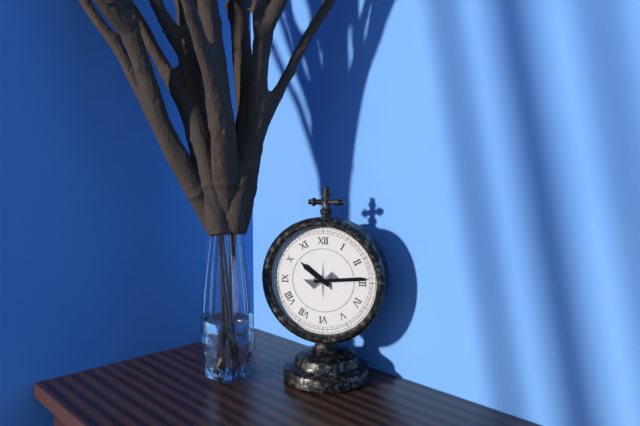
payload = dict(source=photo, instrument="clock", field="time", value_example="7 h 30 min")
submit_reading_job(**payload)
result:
10 h 14 min
